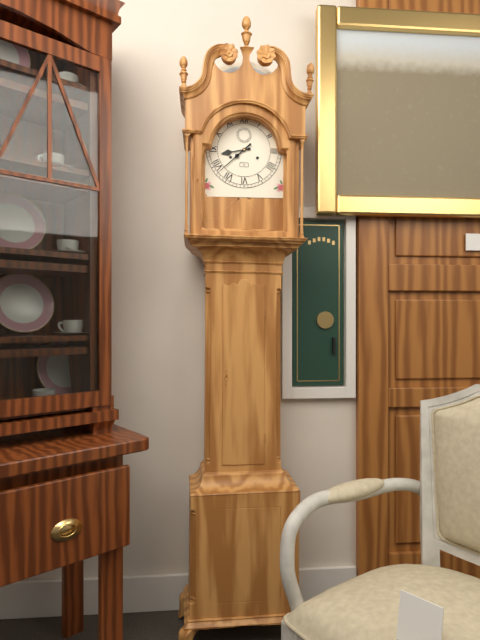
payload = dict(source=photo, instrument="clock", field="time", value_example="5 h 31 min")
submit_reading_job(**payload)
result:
8 h 38 min
